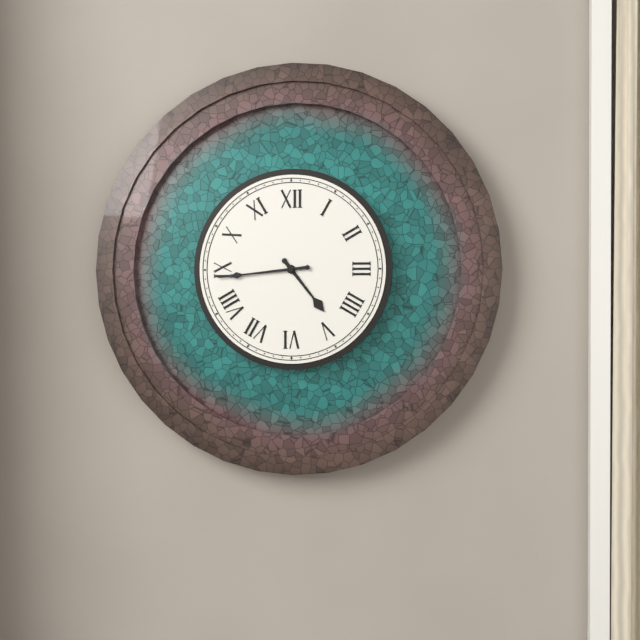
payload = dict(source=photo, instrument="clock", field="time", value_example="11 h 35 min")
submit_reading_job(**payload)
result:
4 h 44 min
